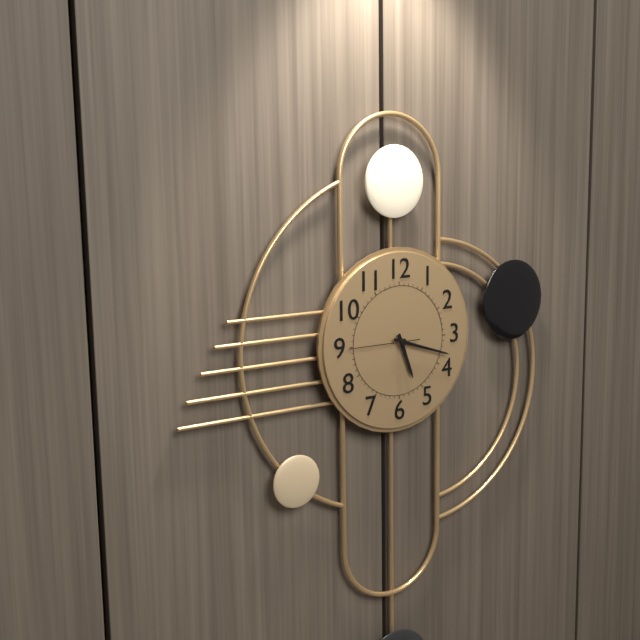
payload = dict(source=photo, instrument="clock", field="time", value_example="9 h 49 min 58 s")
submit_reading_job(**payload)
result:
5 h 18 min 45 s
